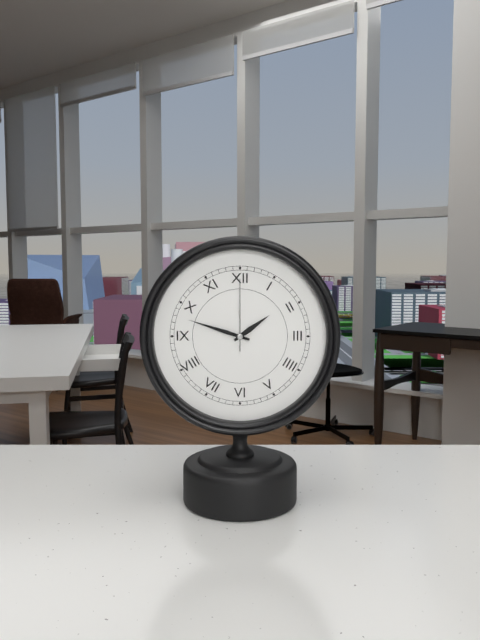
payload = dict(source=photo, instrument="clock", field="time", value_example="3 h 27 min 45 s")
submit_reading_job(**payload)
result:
1 h 48 min 00 s
